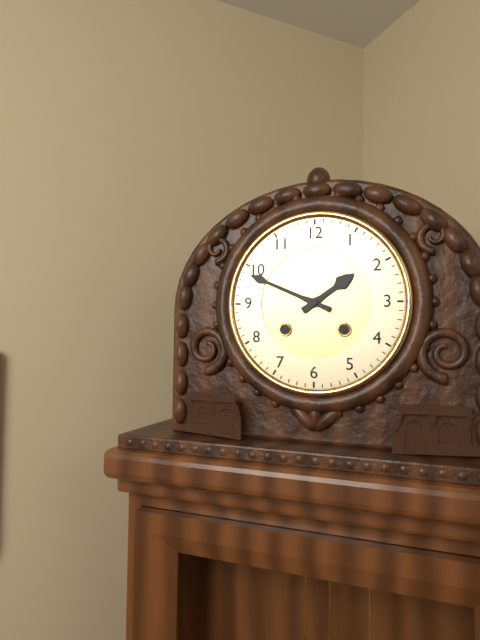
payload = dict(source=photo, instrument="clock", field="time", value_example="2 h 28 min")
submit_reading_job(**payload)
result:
1 h 49 min
